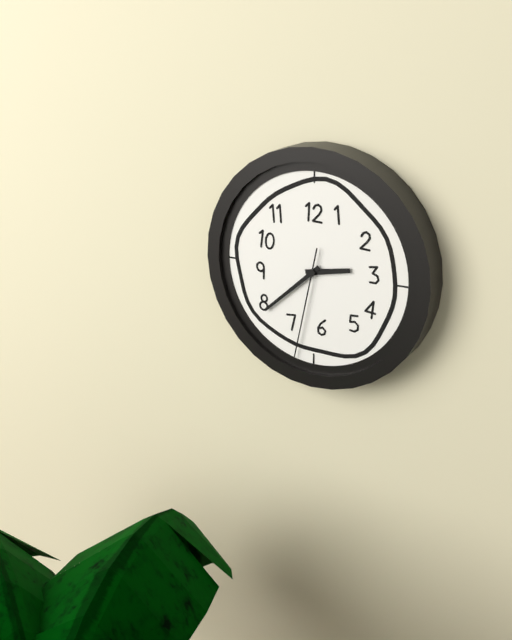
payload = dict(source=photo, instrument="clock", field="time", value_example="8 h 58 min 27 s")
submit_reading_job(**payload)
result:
2 h 38 min 32 s
